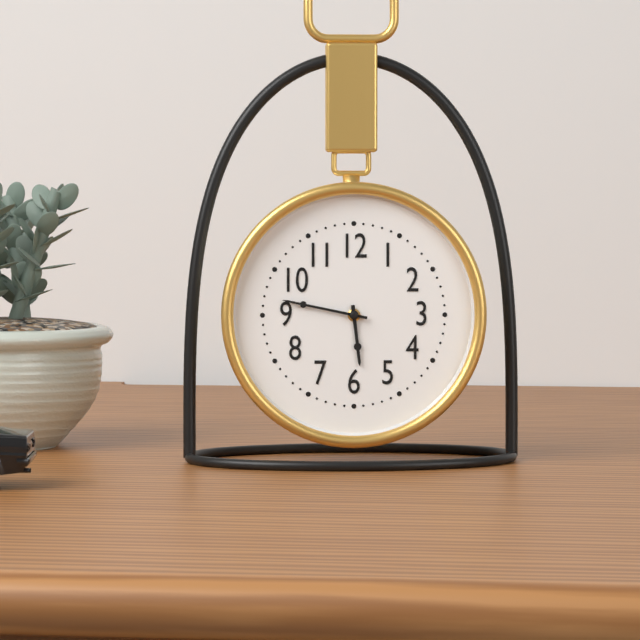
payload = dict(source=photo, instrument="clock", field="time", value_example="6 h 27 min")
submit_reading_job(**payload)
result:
5 h 47 min
